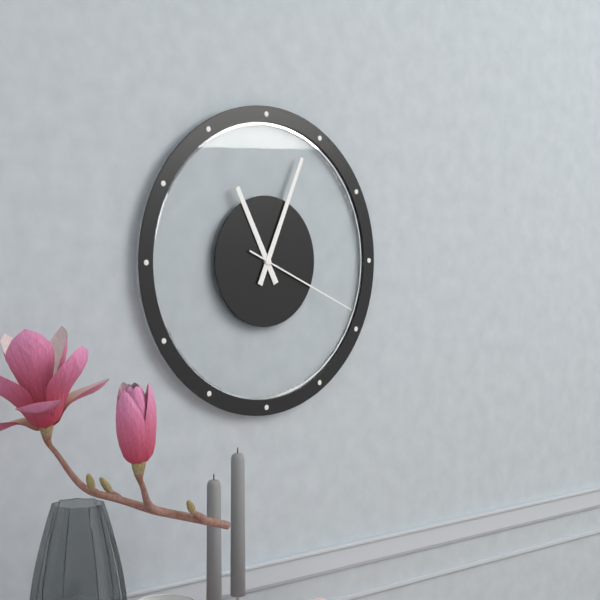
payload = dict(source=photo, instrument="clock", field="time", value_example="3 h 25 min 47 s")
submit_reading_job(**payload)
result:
11 h 04 min 19 s
